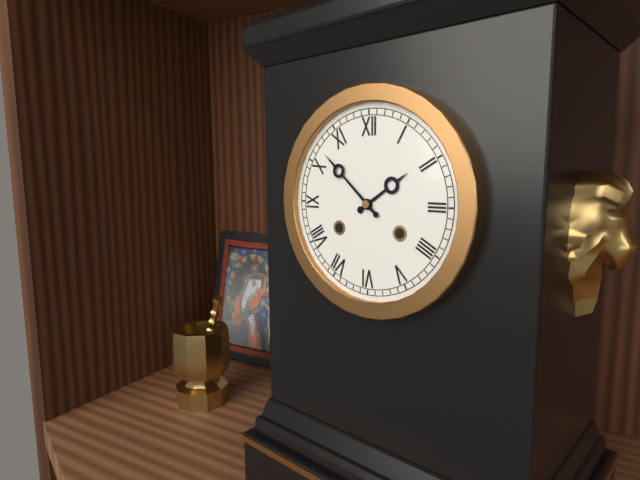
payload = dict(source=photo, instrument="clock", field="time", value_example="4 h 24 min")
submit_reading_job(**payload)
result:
1 h 52 min
